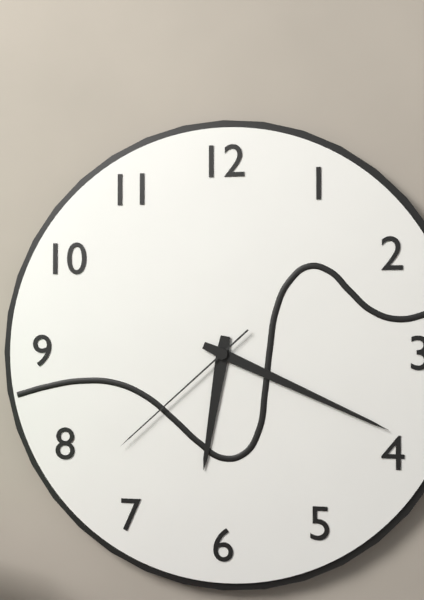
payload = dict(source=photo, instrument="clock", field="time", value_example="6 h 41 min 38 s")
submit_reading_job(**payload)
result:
6 h 19 min 38 s
